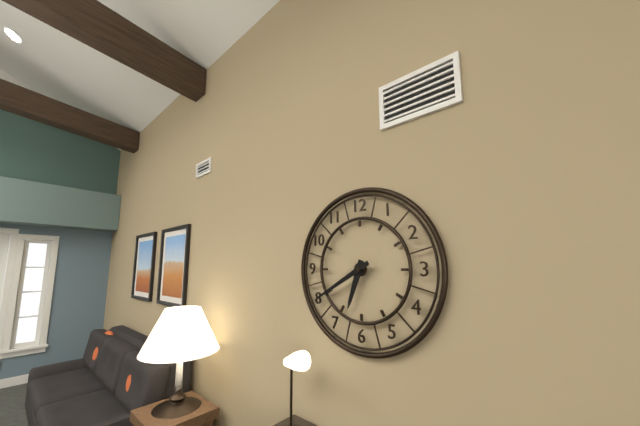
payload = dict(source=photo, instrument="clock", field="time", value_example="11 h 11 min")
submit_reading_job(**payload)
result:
6 h 40 min
